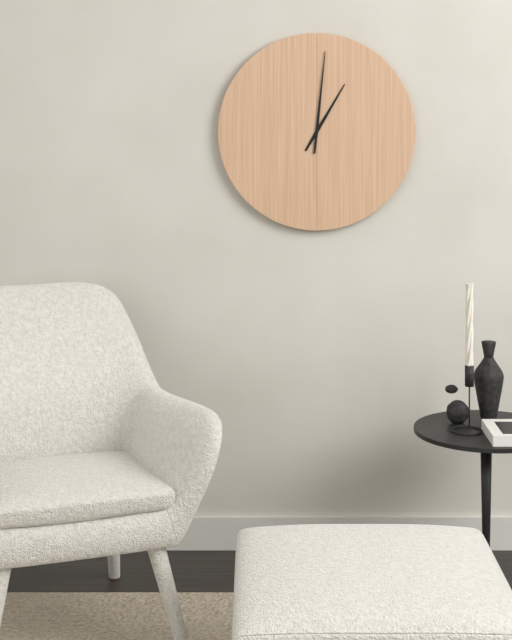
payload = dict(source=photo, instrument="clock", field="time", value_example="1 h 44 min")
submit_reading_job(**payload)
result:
1 h 01 min
